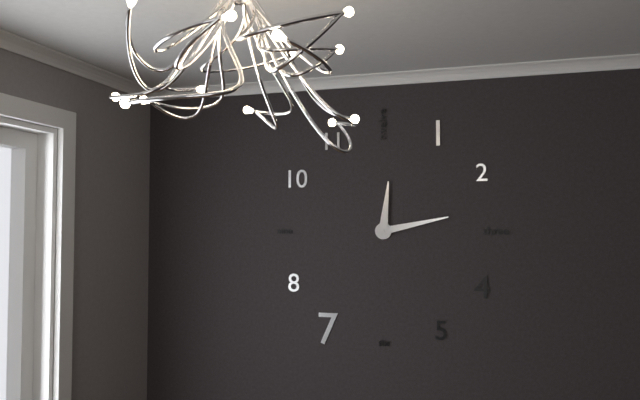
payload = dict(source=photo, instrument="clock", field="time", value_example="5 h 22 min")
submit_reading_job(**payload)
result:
12 h 13 min
